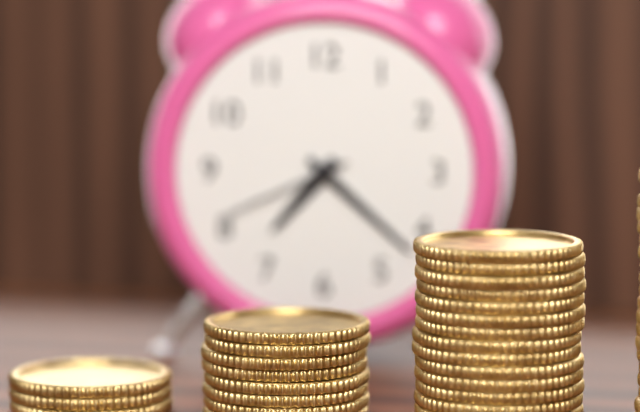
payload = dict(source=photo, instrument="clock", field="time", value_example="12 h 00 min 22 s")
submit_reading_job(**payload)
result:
7 h 22 min 41 s
